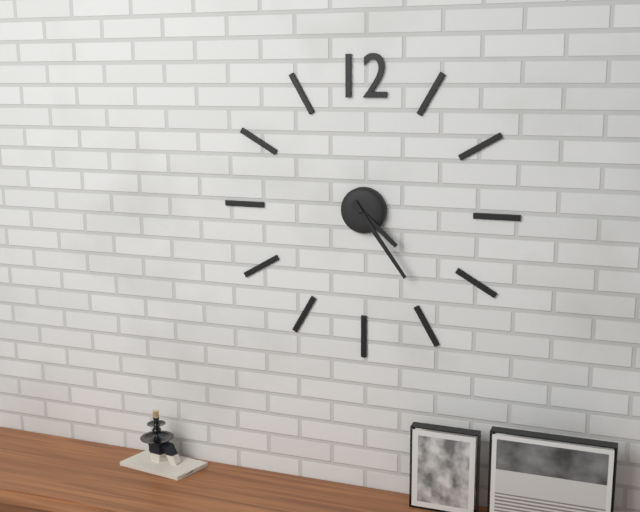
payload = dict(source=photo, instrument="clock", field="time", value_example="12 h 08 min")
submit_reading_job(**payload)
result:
4 h 24 min
